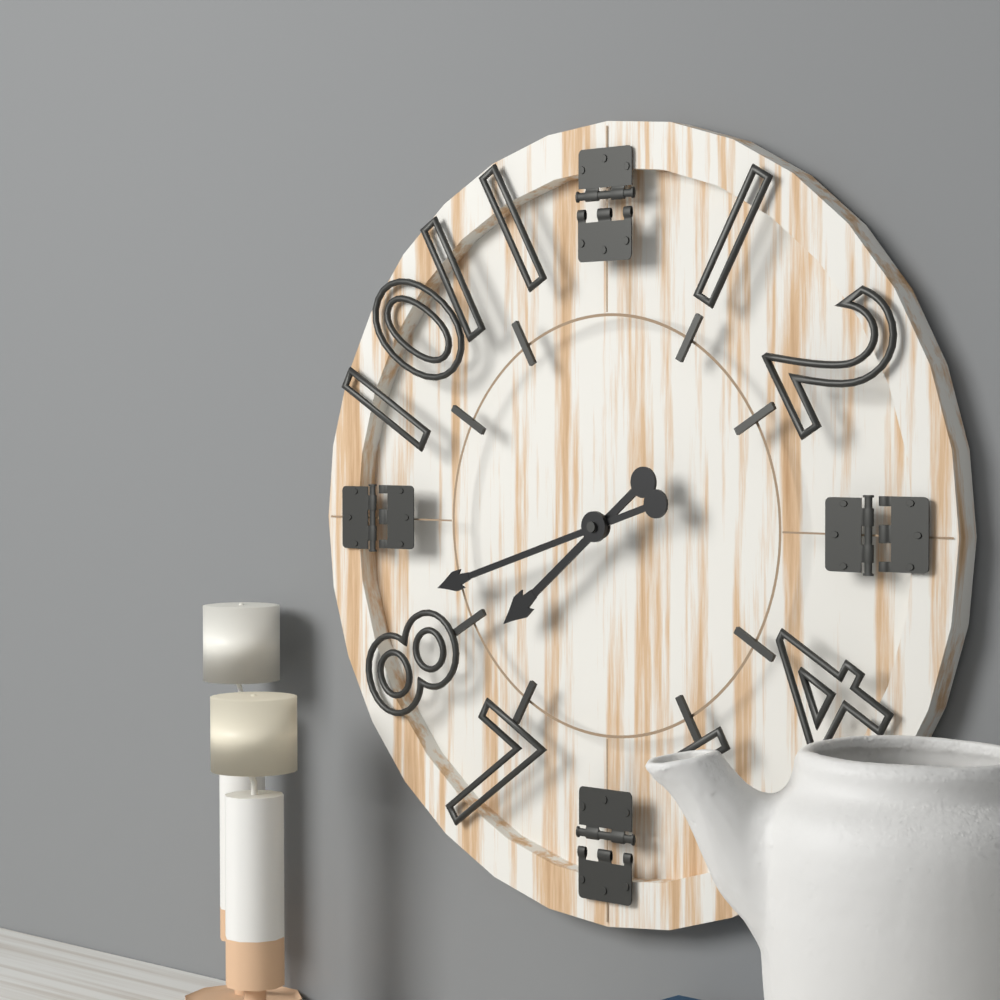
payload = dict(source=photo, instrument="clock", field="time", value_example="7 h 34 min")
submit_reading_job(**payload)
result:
7 h 42 min
